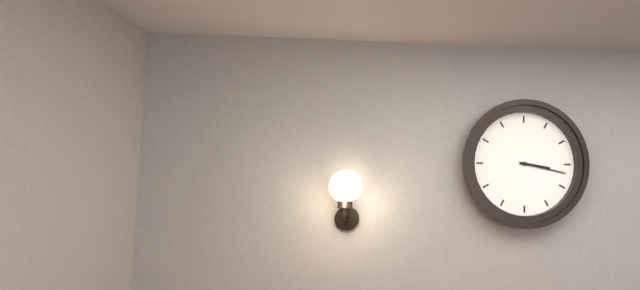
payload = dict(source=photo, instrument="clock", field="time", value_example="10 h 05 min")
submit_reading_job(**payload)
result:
3 h 17 min
